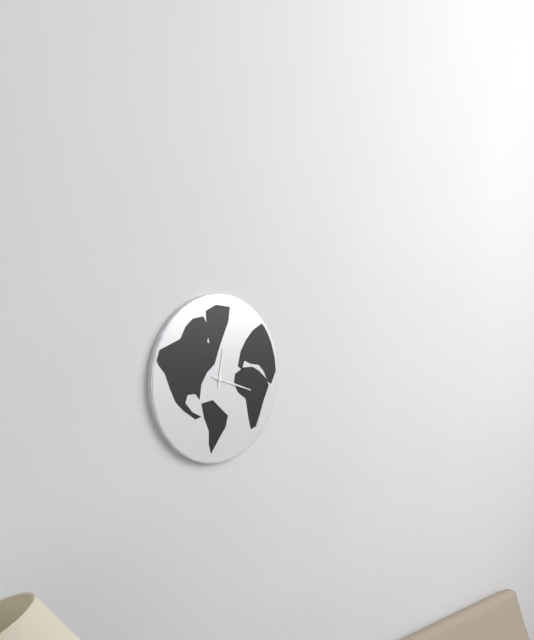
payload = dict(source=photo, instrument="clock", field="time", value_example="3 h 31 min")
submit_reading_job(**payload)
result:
12 h 18 min
